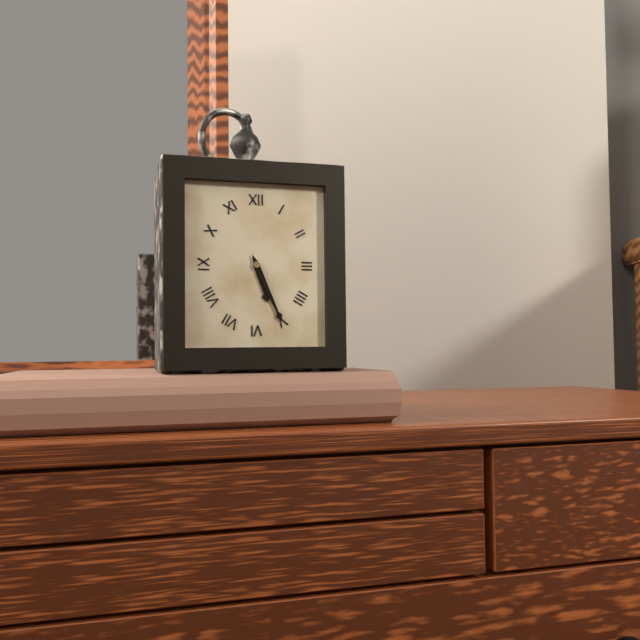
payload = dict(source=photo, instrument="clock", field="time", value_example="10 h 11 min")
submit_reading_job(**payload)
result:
5 h 26 min
